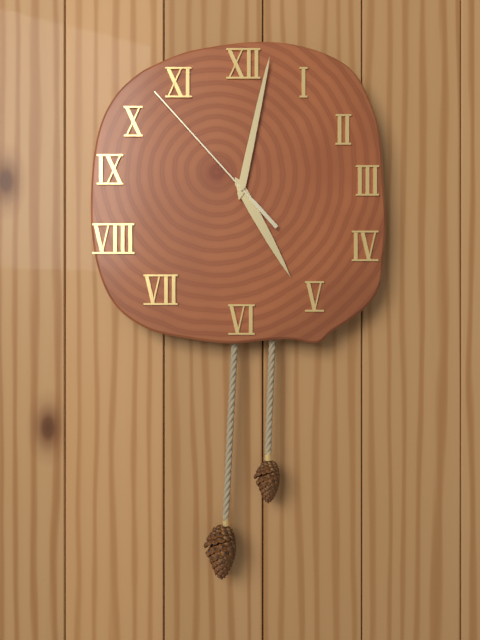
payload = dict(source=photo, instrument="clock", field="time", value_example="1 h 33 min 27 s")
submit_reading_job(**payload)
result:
5 h 02 min 53 s
